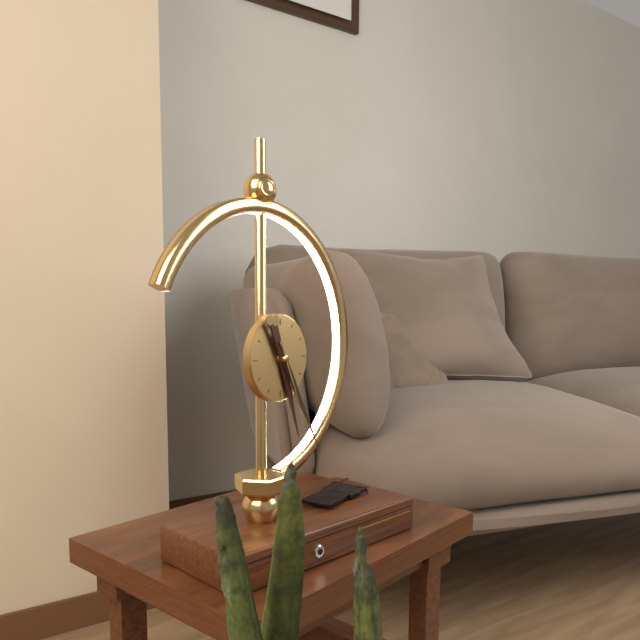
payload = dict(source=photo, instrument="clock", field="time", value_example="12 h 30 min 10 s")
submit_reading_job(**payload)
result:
5 h 25 min 26 s
